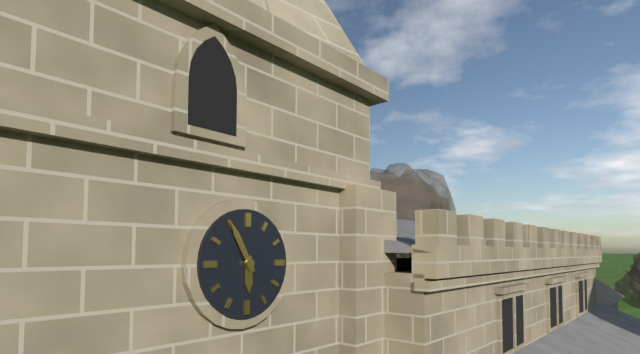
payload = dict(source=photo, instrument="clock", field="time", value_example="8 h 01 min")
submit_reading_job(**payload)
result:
5 h 55 min
